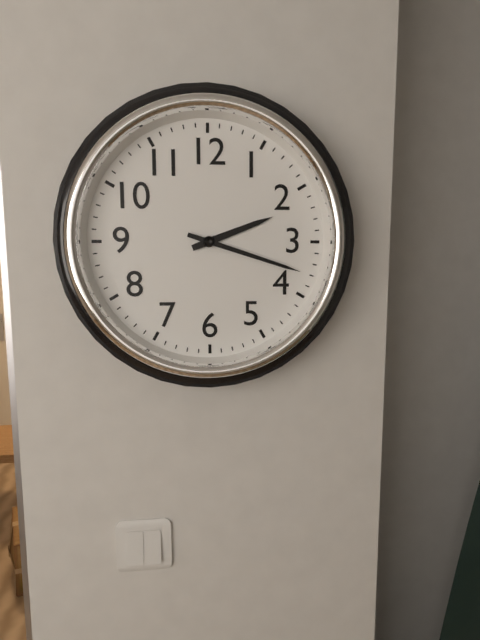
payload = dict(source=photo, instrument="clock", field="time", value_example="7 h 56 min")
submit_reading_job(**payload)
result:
2 h 18 min
